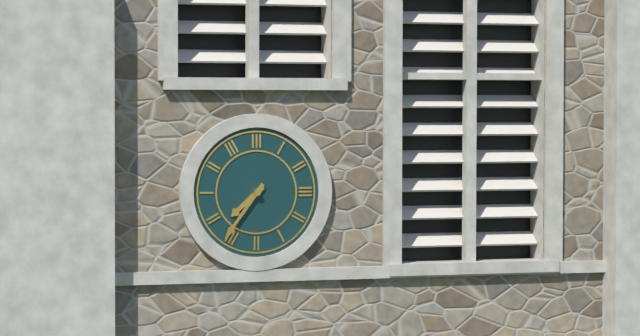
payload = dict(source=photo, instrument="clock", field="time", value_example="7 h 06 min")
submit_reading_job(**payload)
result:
7 h 36 min
